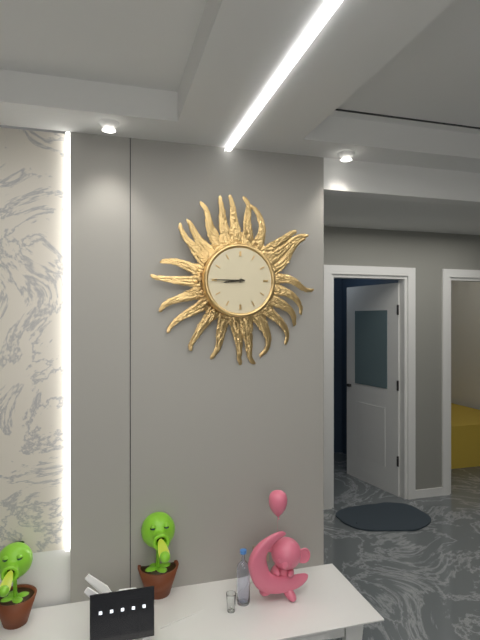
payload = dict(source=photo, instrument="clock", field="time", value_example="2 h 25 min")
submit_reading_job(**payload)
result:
8 h 45 min
